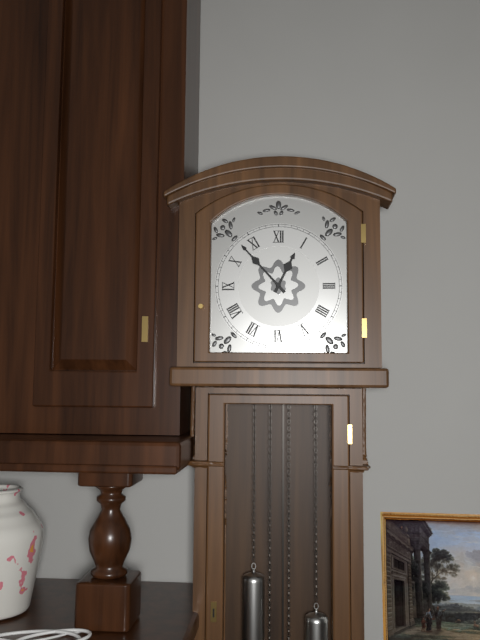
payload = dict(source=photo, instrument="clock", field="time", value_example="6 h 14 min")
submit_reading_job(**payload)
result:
12 h 53 min
